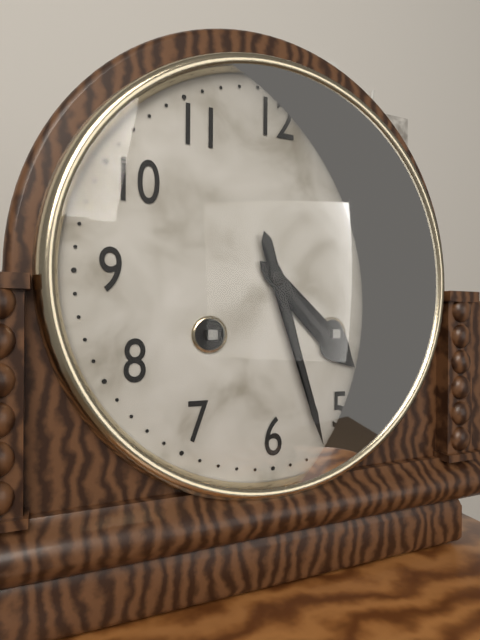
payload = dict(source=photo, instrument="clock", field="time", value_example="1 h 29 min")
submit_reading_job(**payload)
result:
4 h 27 min
